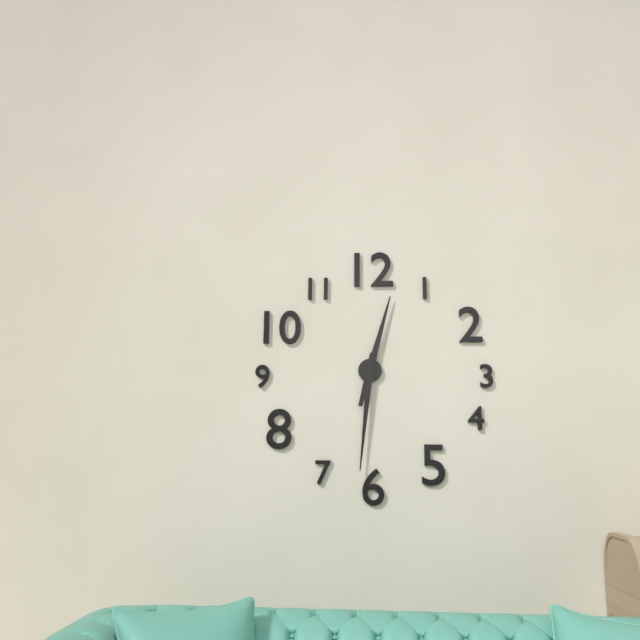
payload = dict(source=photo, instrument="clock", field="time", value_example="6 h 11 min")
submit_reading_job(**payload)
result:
12 h 31 min
